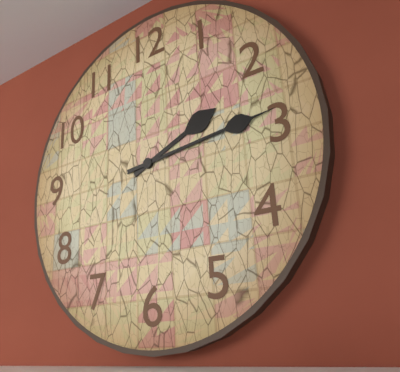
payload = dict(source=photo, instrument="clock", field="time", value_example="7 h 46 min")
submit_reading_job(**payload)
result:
2 h 14 min
